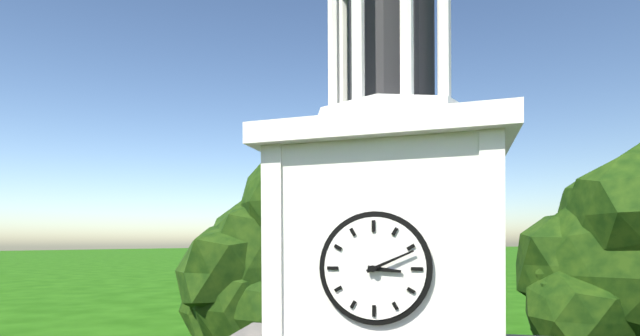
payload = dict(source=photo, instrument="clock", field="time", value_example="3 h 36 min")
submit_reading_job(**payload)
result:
3 h 11 min
